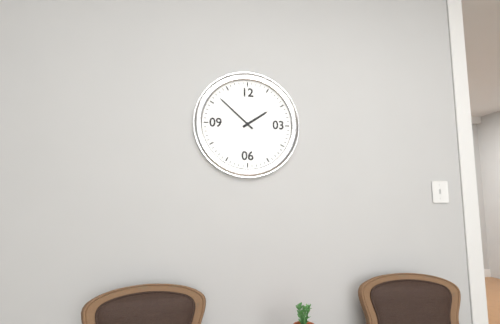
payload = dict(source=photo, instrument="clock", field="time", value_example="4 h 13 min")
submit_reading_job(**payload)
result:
1 h 52 min
